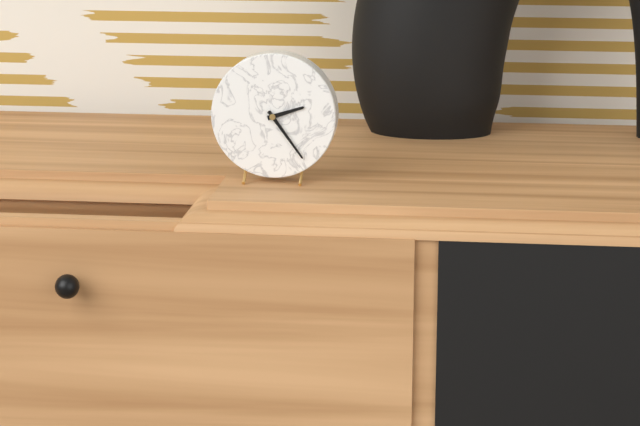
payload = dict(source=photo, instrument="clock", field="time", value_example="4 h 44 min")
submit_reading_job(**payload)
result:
2 h 24 min
